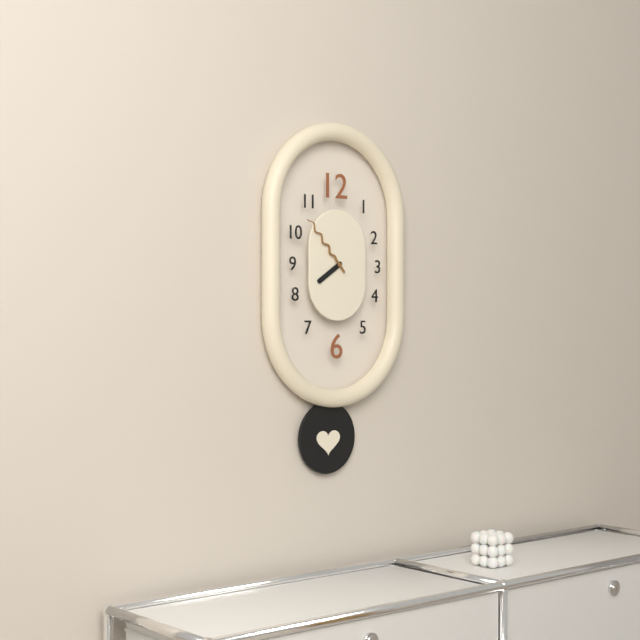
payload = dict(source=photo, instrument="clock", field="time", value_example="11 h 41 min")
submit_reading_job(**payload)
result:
7 h 53 min
